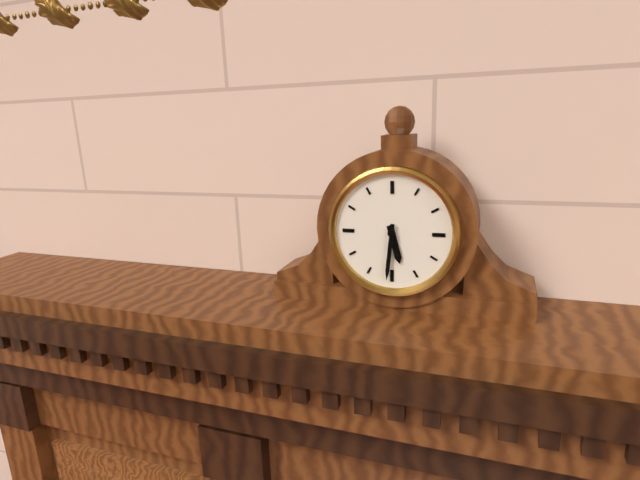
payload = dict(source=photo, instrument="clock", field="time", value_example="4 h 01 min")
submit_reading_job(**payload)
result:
5 h 31 min
